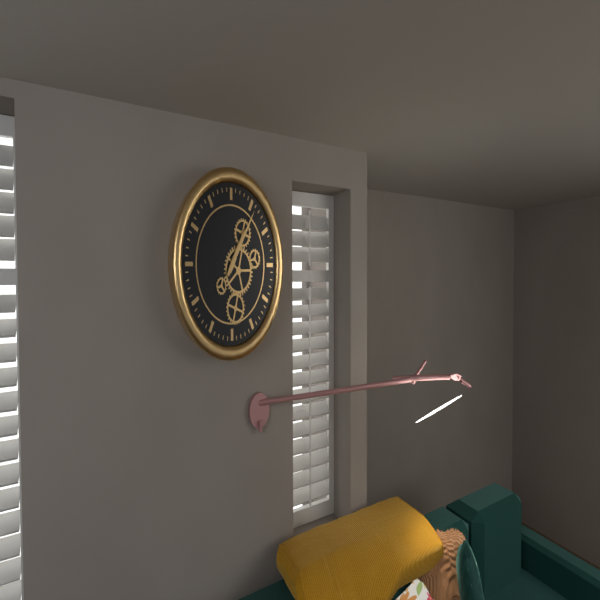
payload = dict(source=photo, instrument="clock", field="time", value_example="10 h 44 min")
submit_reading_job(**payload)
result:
1 h 06 min
